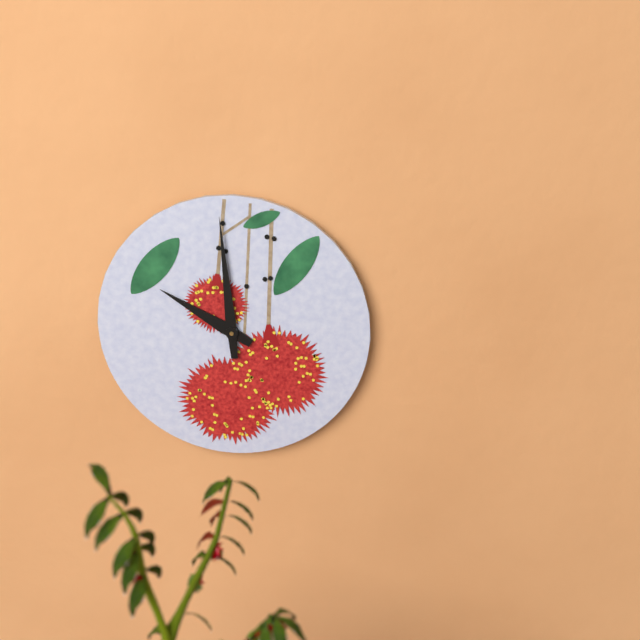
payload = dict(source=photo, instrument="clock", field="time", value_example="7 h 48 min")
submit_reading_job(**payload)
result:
9 h 59 min
